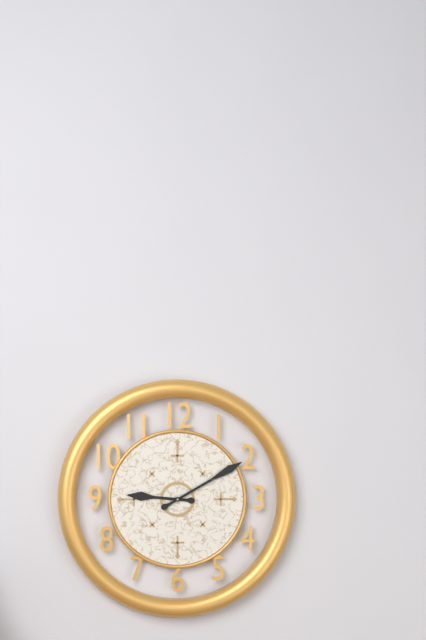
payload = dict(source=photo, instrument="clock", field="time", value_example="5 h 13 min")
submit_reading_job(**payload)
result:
9 h 10 min
